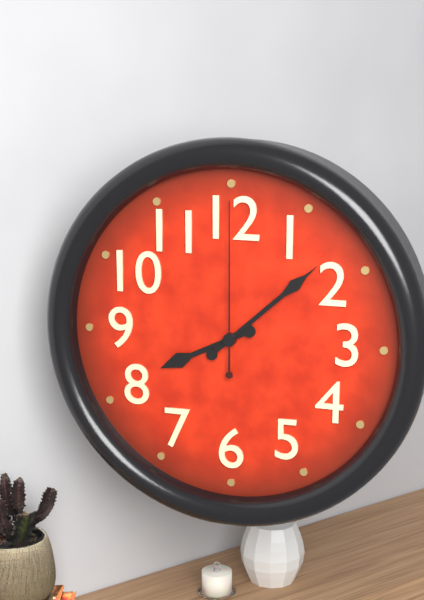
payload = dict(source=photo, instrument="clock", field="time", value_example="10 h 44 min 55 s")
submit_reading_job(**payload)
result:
8 h 08 min 00 s
